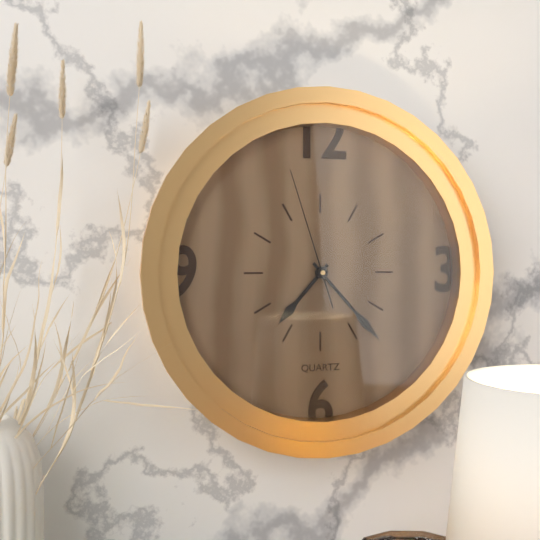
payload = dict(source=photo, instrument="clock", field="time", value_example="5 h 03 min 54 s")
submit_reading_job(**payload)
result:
7 h 23 min 57 s
